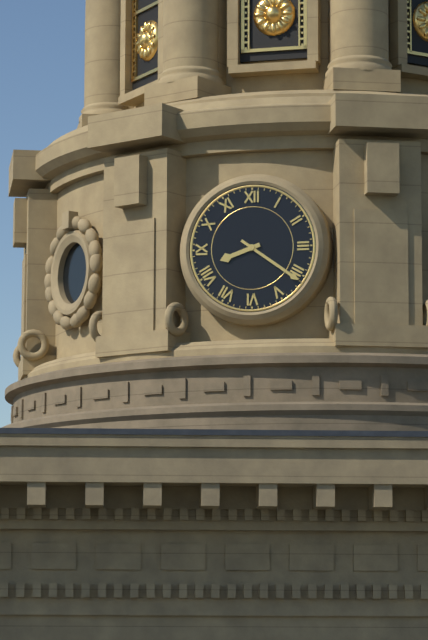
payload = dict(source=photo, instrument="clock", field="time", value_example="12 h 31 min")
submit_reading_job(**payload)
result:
8 h 21 min
